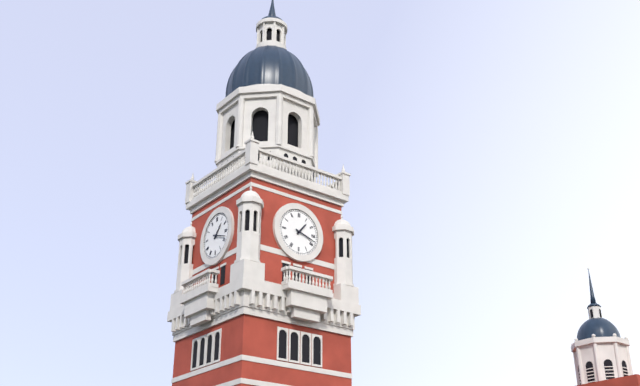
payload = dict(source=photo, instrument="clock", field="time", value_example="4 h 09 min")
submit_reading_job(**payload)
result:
1 h 18 min
